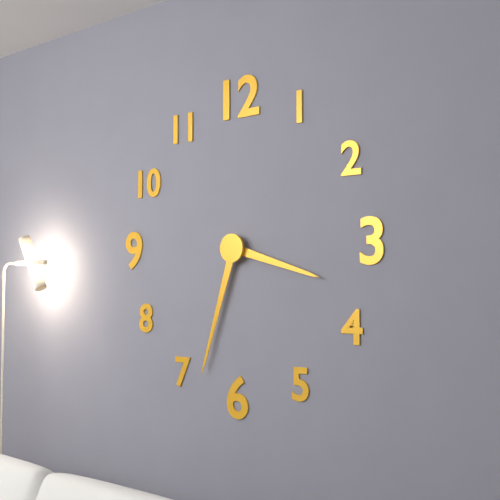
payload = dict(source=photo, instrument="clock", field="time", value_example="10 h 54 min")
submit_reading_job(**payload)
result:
3 h 33 min
